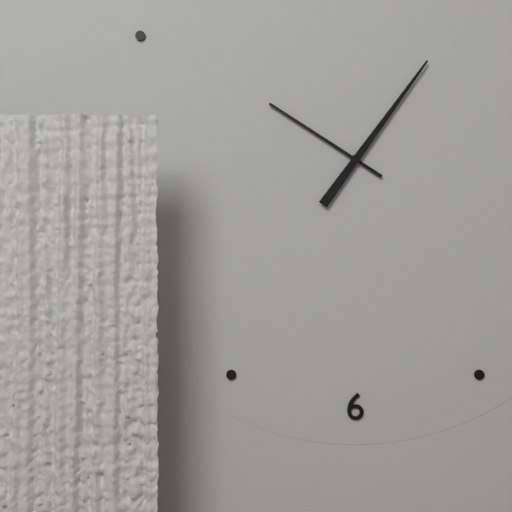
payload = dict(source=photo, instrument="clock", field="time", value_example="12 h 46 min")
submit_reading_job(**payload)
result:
10 h 06 min
